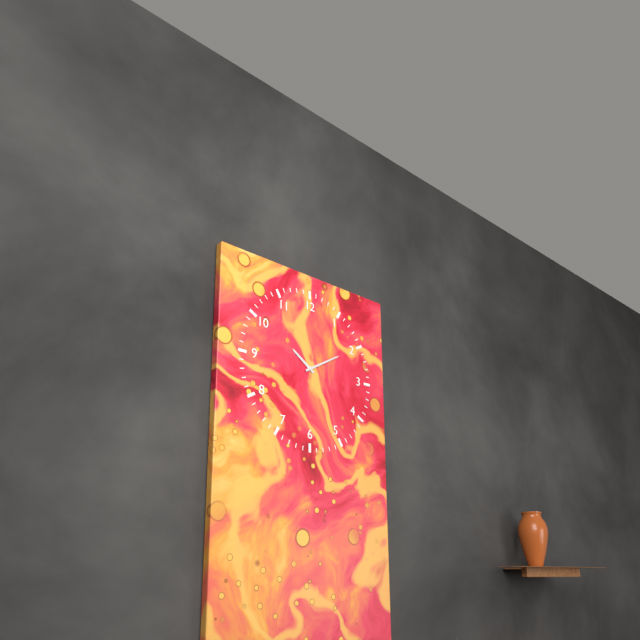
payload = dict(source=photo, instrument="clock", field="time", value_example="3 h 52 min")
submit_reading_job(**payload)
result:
10 h 10 min
